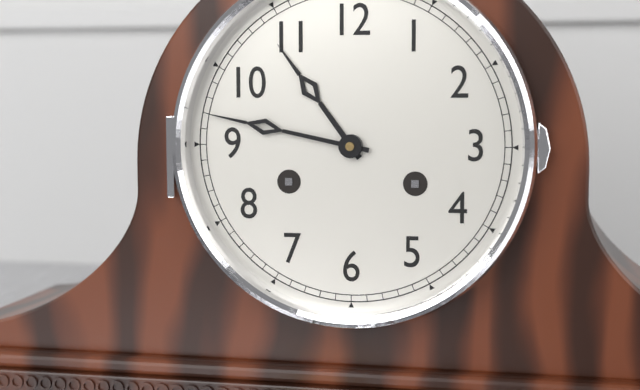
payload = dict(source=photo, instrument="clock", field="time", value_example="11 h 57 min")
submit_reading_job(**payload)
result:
10 h 47 min
